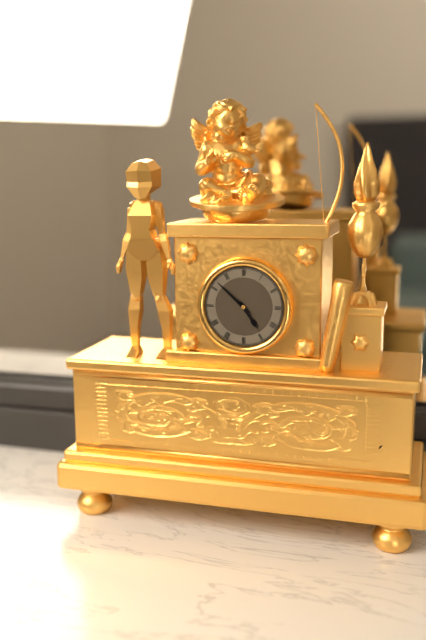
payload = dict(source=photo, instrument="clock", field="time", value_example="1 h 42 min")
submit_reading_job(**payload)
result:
4 h 52 min
